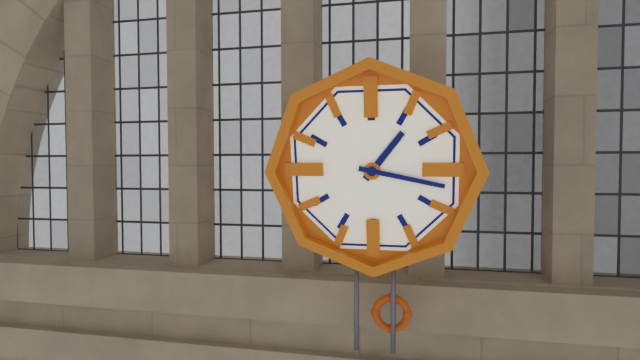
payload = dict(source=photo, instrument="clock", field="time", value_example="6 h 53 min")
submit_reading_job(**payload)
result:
1 h 17 min
